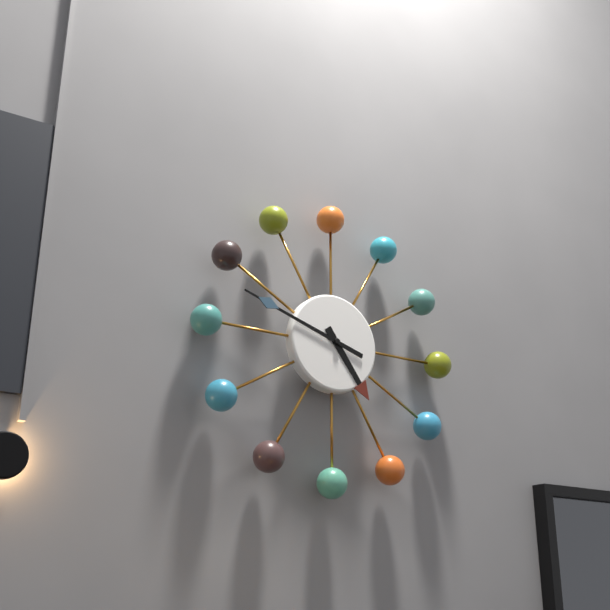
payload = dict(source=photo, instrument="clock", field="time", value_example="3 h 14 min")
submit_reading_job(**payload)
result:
4 h 48 min
